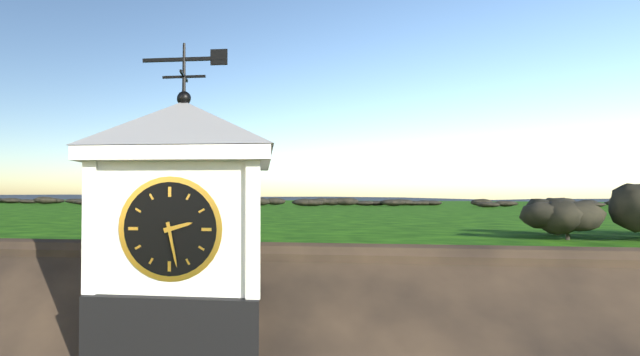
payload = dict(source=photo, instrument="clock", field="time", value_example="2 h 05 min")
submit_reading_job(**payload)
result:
2 h 28 min
